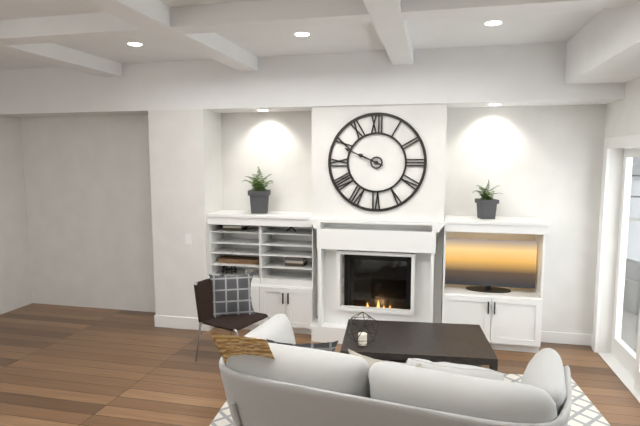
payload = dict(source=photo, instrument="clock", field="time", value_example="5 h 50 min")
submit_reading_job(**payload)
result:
9 h 49 min
